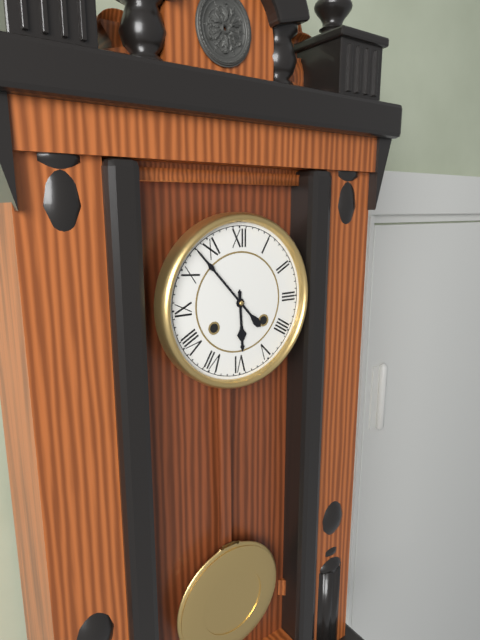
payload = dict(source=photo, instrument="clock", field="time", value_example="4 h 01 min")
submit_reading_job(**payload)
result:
5 h 53 min
